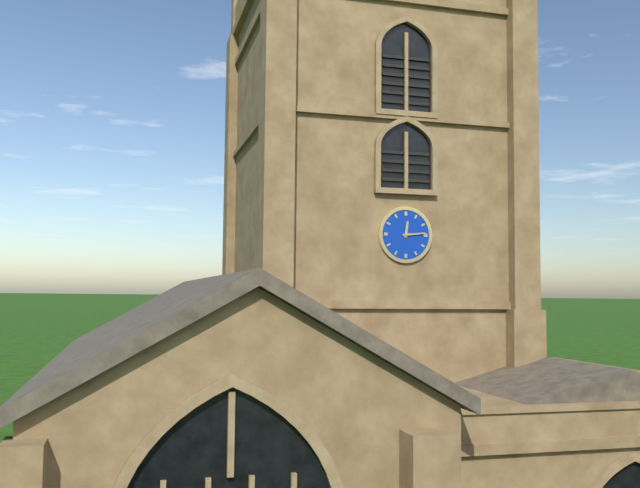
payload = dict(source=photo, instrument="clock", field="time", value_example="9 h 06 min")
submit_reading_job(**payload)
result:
12 h 14 min
